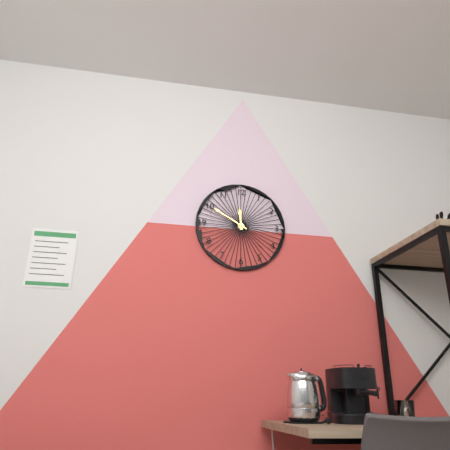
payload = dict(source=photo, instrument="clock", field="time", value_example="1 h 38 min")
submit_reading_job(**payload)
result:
11 h 50 min
